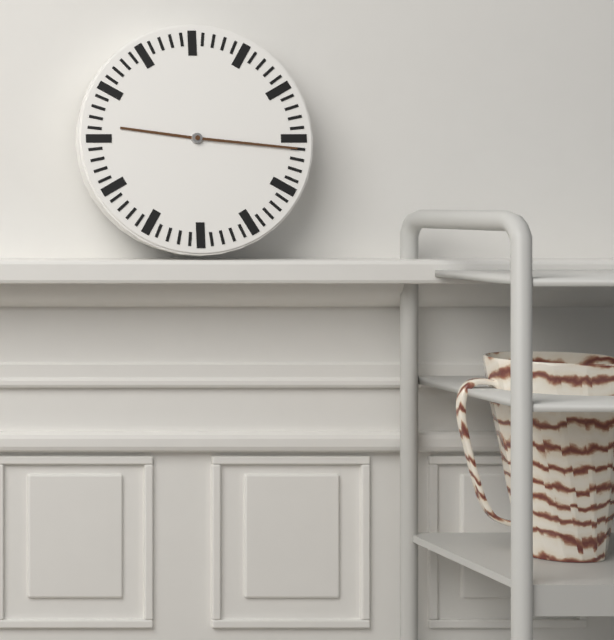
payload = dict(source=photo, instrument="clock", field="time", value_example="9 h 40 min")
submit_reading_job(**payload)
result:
9 h 16 min
